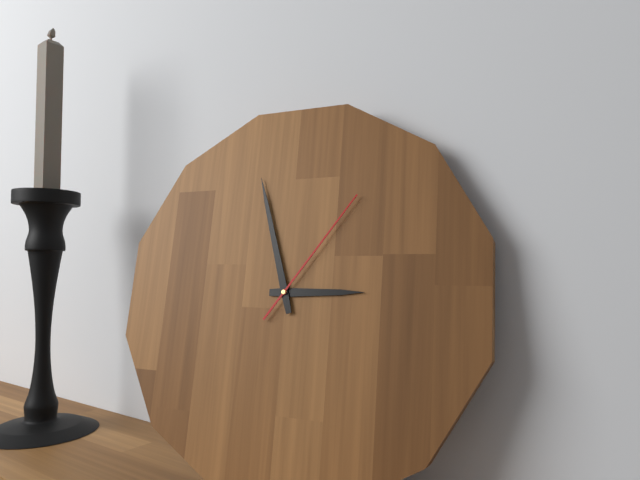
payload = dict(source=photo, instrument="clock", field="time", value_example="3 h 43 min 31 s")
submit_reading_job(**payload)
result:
2 h 57 min 06 s
